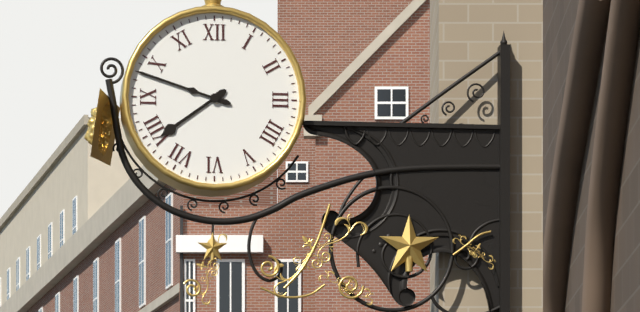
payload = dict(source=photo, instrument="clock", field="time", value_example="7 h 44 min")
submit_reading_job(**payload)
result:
7 h 48 min
